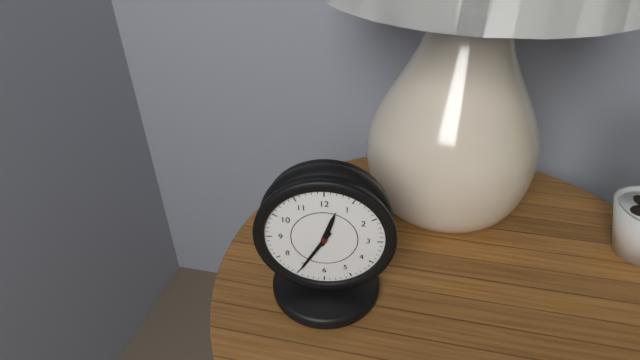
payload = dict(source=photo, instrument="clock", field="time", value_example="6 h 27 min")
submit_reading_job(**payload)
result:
12 h 35 min
